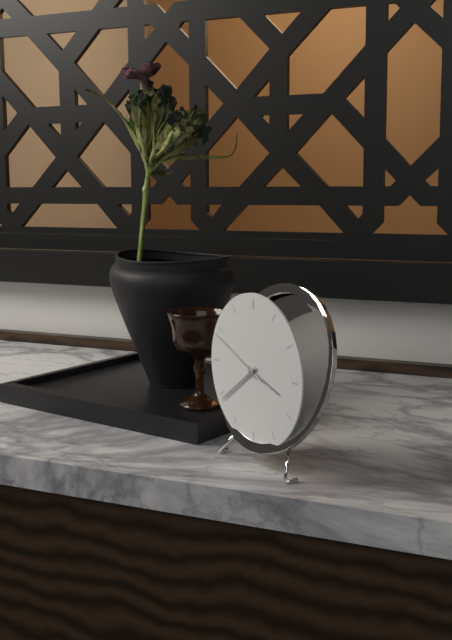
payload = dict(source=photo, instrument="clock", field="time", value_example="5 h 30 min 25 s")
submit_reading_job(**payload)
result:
3 h 39 min 49 s
